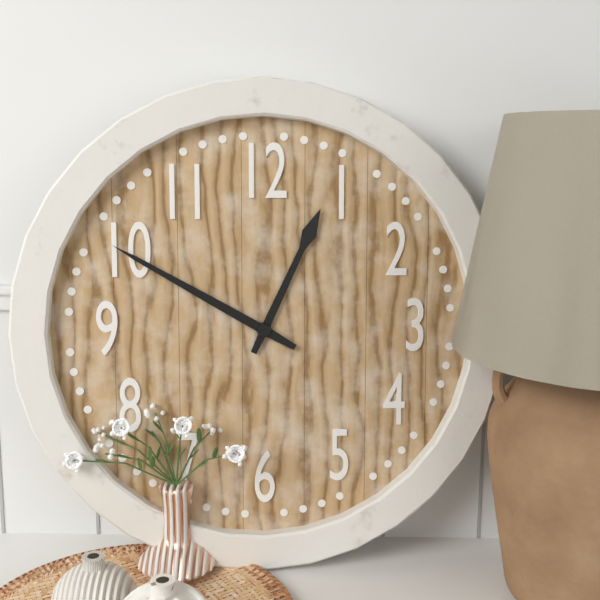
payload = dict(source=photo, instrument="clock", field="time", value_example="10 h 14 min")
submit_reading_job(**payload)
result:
12 h 50 min
